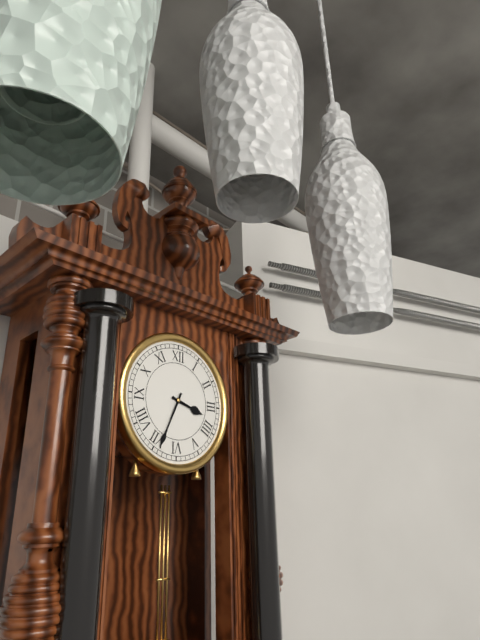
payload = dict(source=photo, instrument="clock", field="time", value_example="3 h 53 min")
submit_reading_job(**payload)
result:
3 h 34 min
